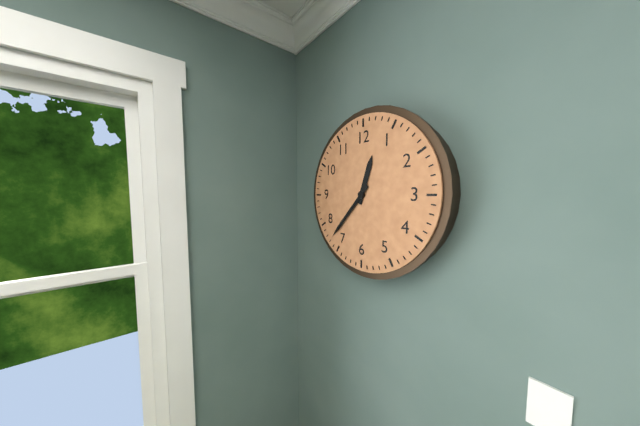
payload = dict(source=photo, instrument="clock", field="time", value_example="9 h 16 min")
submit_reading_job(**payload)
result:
12 h 37 min
